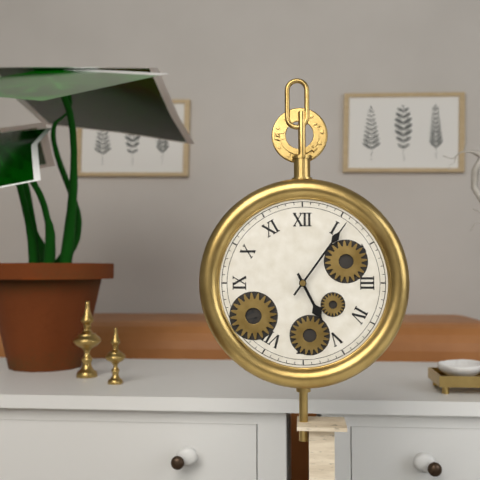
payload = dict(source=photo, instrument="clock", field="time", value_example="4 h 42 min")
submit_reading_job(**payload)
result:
5 h 06 min
